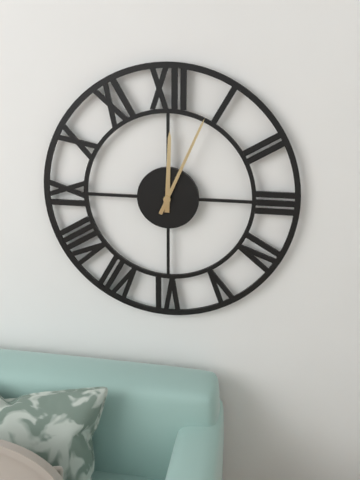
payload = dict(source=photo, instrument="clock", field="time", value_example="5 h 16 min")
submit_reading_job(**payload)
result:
12 h 04 min
